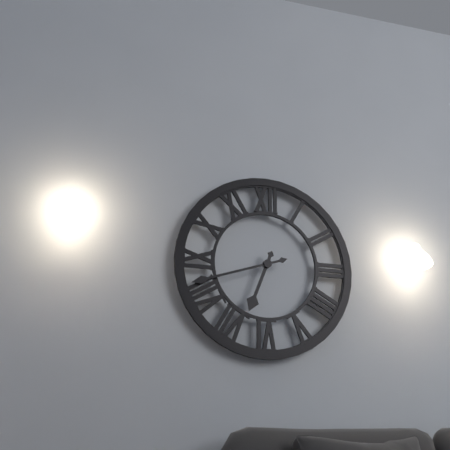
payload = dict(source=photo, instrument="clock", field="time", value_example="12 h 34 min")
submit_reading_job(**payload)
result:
6 h 42 min
